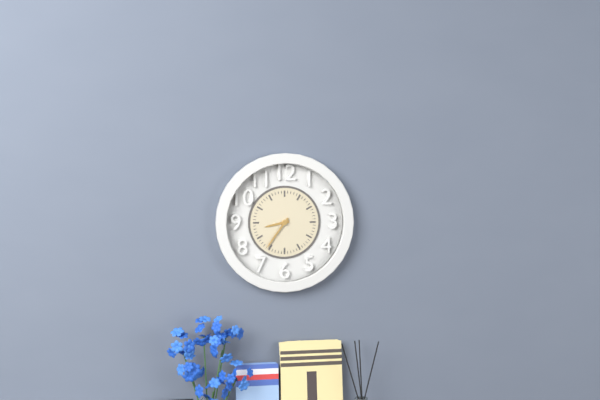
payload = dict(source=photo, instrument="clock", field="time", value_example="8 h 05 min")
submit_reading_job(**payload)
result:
8 h 36 min
